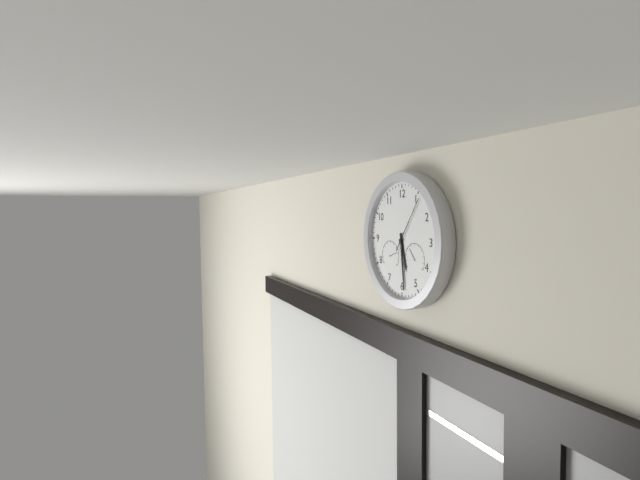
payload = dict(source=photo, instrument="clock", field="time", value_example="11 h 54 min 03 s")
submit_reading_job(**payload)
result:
5 h 29 min 06 s
